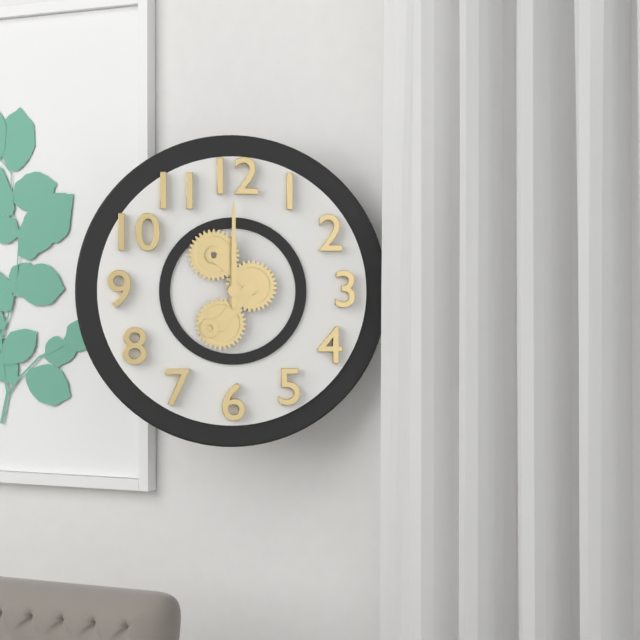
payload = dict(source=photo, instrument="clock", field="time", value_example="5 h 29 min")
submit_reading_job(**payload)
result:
12 h 00 min
